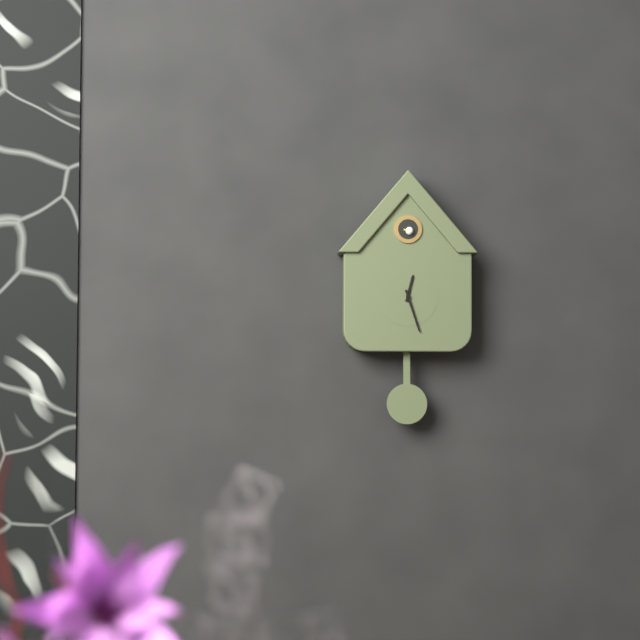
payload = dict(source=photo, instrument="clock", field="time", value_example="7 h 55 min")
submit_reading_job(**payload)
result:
12 h 27 min
